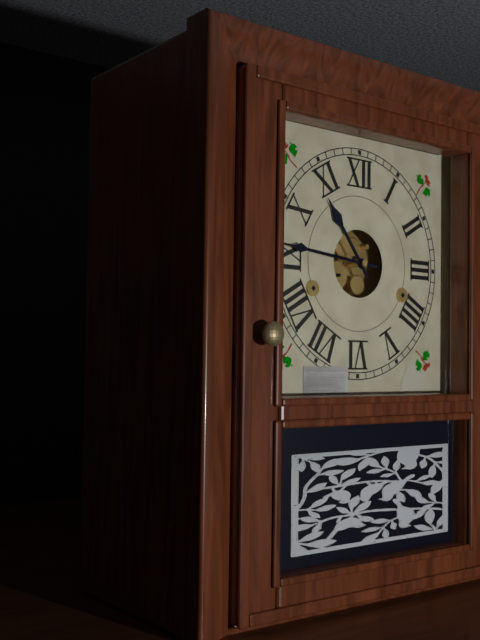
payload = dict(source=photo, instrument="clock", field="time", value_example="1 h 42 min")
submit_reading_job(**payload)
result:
10 h 46 min
